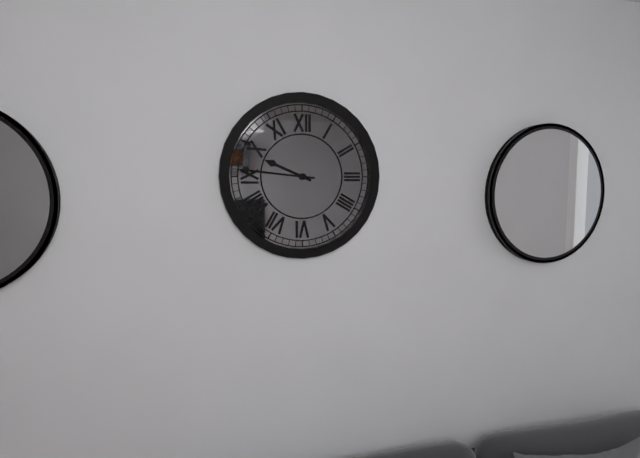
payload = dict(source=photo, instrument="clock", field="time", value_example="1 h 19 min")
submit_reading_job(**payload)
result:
9 h 46 min
